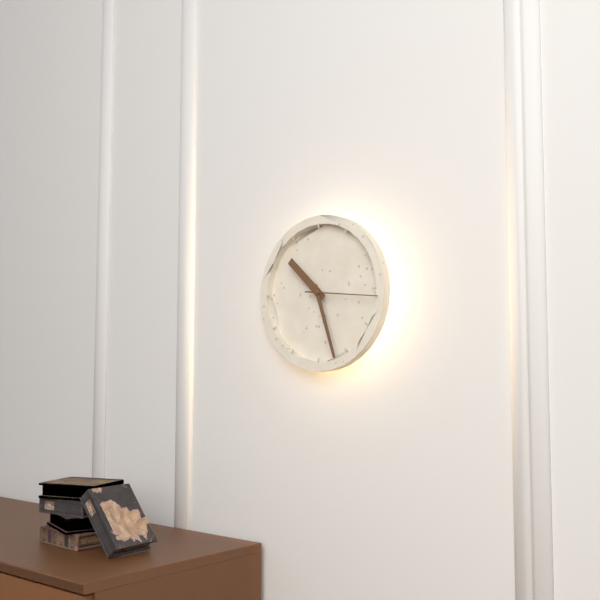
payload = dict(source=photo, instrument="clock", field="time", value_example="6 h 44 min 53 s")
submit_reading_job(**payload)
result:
10 h 27 min 16 s
